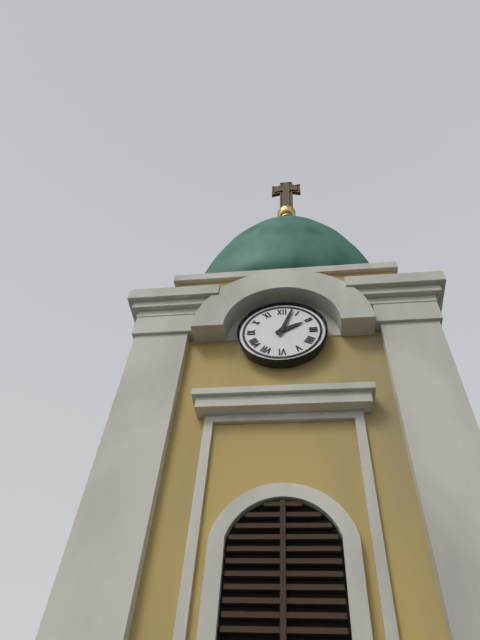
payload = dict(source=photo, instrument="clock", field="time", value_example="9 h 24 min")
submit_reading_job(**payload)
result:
2 h 03 min
